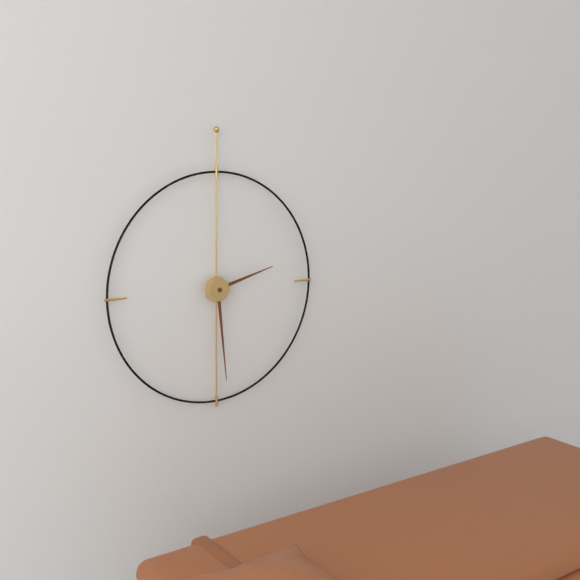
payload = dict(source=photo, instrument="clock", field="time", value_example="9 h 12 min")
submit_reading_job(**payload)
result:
2 h 29 min
